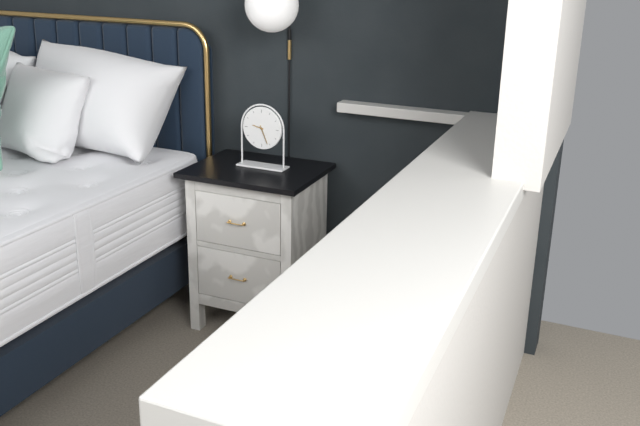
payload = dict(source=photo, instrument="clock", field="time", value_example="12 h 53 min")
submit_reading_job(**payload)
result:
9 h 26 min
